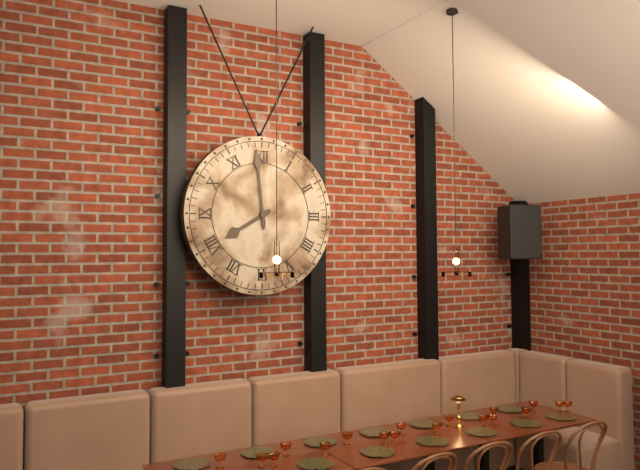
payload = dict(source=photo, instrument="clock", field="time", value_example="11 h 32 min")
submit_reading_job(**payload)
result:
7 h 59 min
